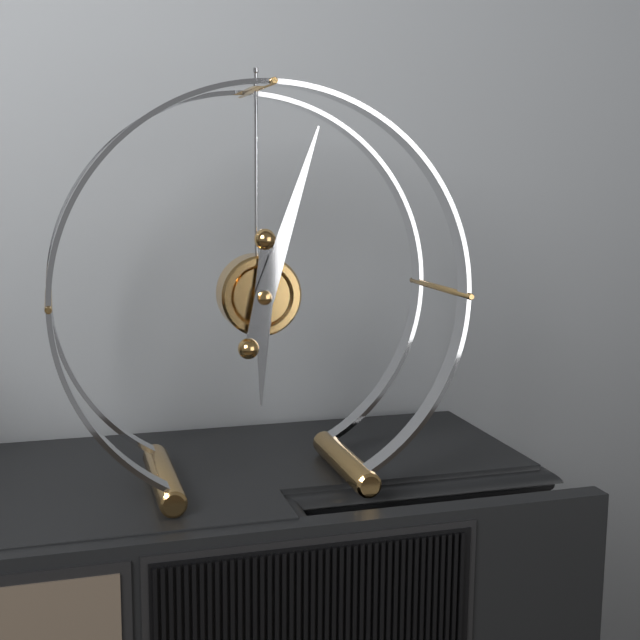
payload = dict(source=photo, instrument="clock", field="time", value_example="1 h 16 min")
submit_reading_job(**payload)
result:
6 h 03 min
